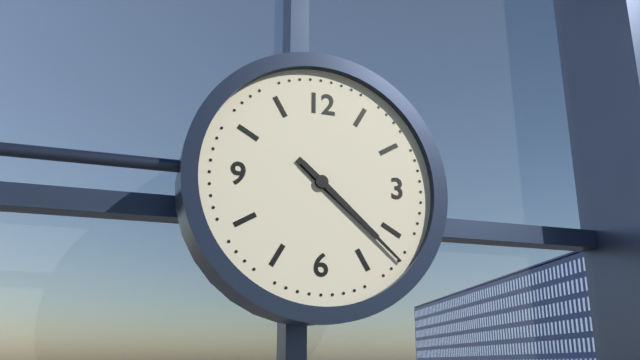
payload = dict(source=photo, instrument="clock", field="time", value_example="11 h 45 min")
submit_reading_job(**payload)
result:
4 h 22 min
